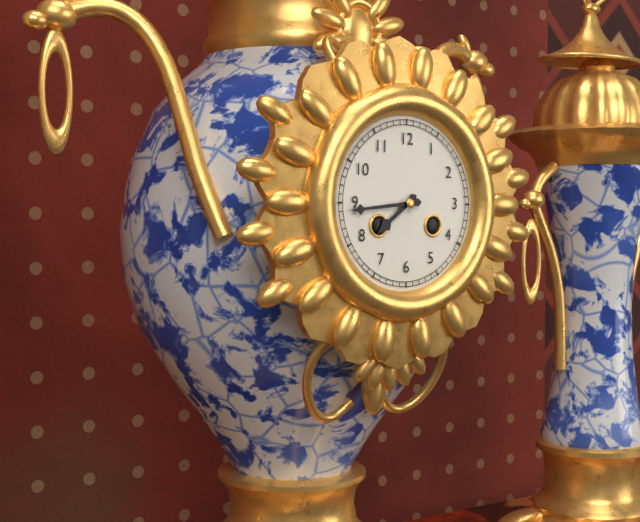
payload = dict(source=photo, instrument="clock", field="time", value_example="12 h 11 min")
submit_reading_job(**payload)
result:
7 h 44 min
